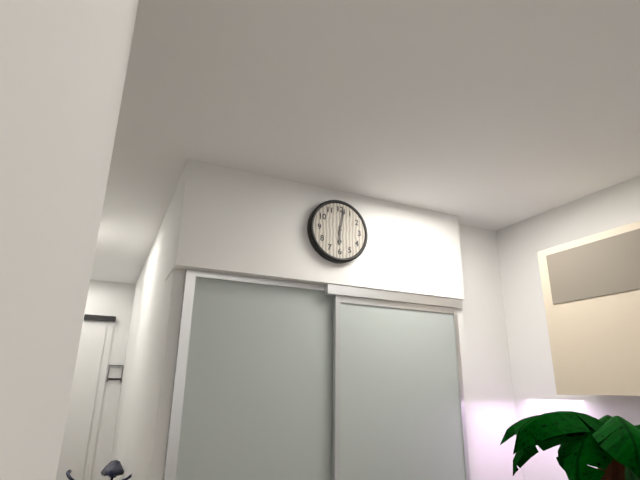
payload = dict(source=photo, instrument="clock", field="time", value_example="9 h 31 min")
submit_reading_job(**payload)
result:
6 h 02 min
